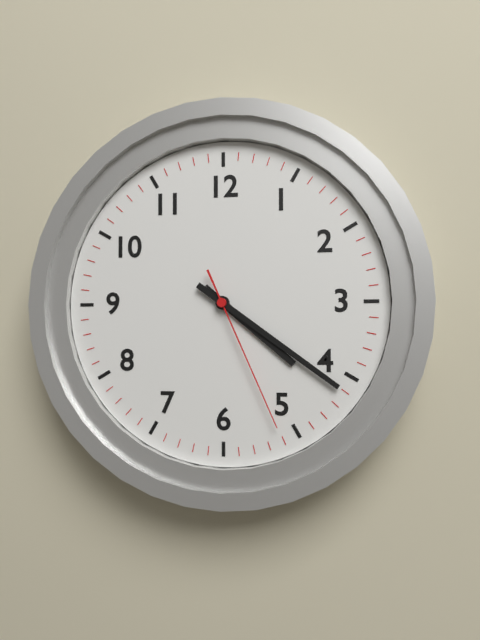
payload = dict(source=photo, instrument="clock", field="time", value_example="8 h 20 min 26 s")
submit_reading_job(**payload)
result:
4 h 21 min 26 s
